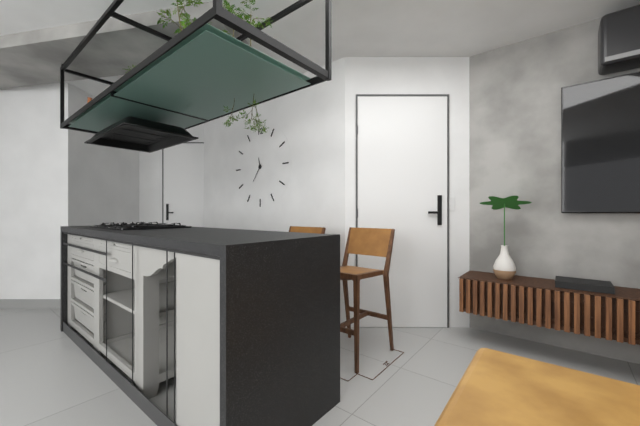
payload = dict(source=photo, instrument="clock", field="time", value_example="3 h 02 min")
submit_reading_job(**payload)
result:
11 h 36 min
